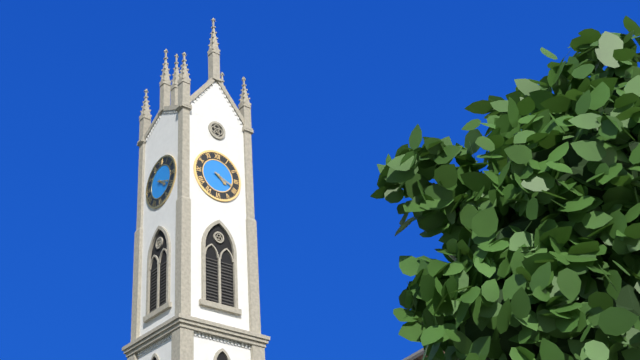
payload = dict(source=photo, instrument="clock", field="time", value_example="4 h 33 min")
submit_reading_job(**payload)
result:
4 h 19 min
